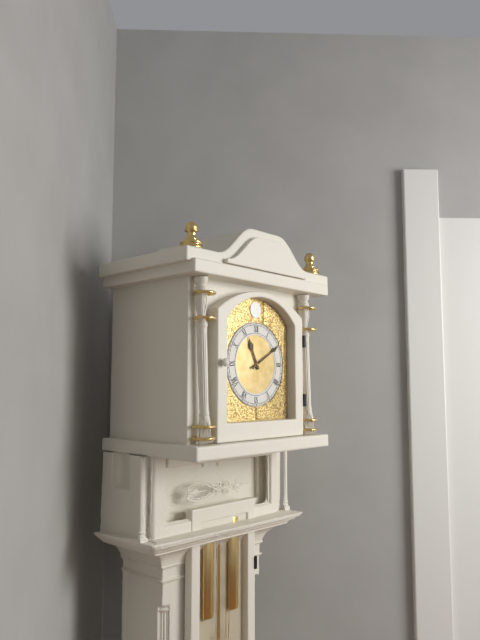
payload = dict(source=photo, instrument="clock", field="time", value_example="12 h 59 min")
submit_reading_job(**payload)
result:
11 h 10 min
